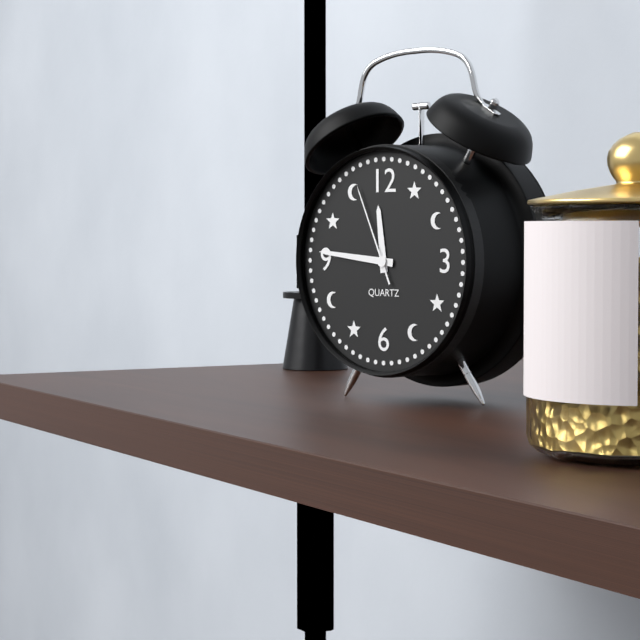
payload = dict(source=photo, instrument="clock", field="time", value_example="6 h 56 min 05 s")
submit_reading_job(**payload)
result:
11 h 46 min 56 s
